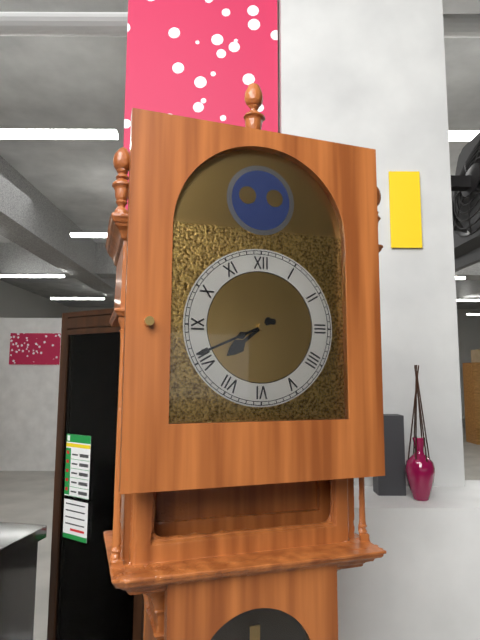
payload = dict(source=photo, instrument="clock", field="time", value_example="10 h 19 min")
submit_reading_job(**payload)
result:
7 h 41 min
